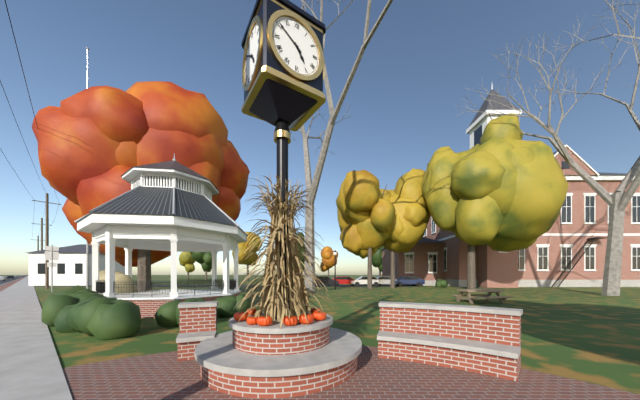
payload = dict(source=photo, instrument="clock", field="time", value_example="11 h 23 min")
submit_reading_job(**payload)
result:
4 h 51 min
